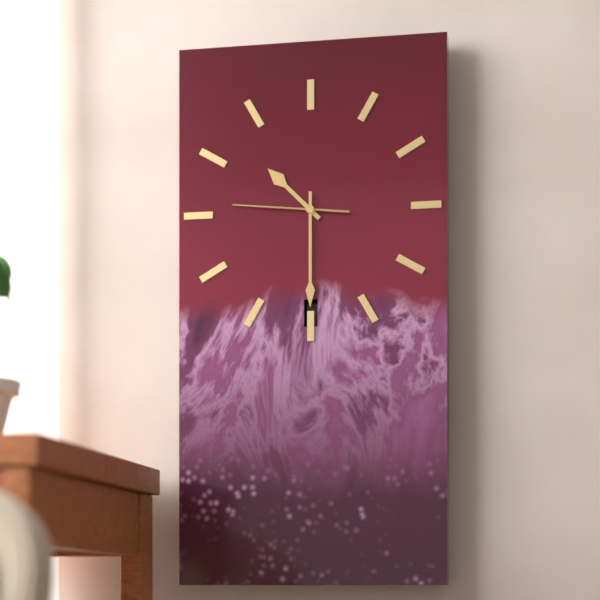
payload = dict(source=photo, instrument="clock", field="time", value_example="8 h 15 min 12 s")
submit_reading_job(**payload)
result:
10 h 30 min 46 s
